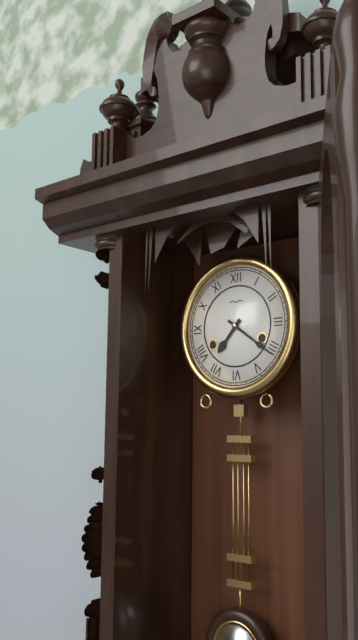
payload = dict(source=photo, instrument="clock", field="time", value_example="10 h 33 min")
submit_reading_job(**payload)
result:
7 h 21 min
